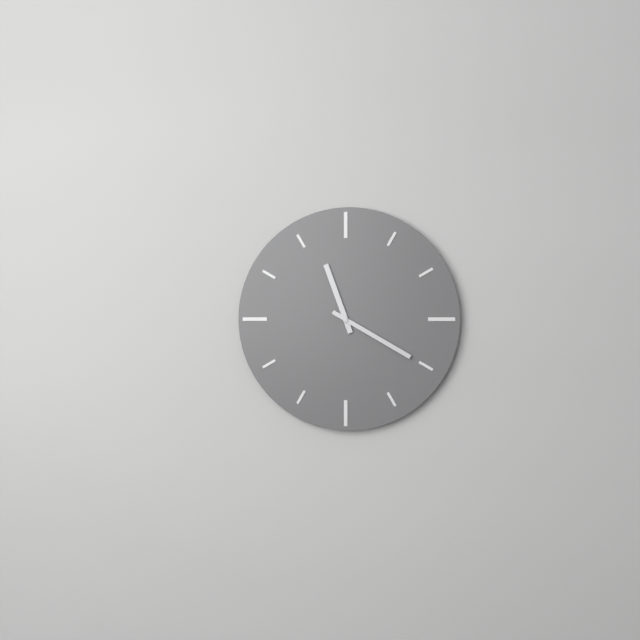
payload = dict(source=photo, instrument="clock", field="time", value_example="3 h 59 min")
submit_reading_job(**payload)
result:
11 h 20 min
